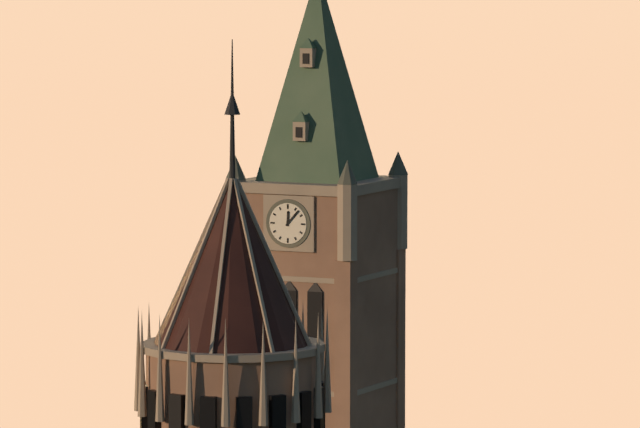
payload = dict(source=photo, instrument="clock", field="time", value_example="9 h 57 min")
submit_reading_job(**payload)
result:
12 h 07 min
